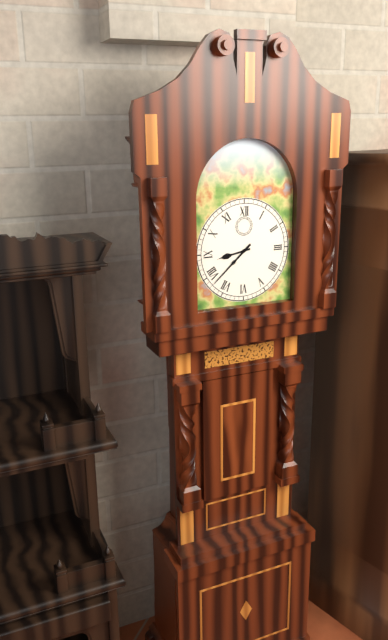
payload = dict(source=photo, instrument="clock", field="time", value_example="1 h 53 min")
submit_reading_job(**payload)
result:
8 h 38 min
